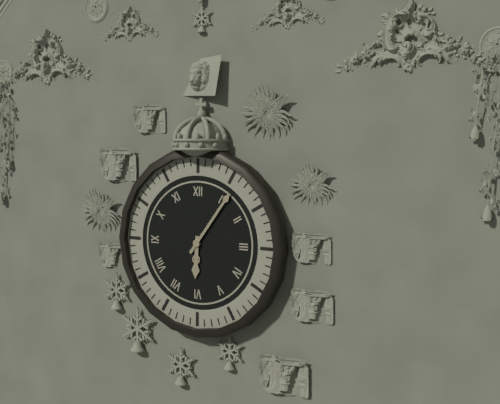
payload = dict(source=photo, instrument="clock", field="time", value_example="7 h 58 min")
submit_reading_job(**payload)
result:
6 h 06 min
